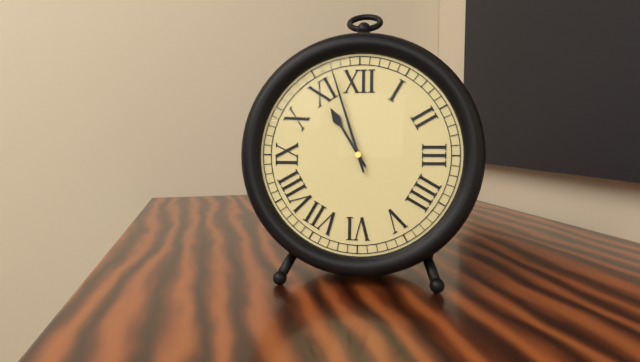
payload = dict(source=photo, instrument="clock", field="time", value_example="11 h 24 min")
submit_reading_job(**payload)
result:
10 h 57 min
